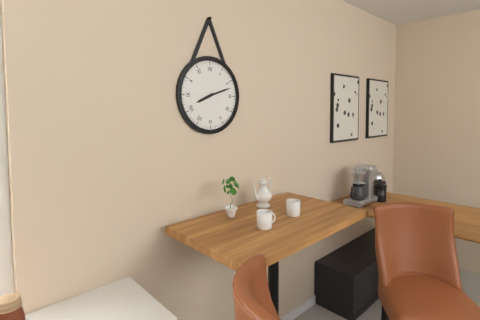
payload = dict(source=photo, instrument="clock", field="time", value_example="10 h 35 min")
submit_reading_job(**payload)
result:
8 h 12 min
